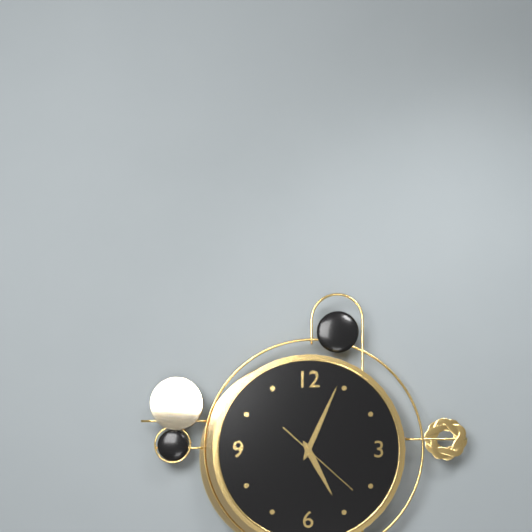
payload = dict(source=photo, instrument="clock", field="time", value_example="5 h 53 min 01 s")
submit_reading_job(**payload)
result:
5 h 04 min 22 s
